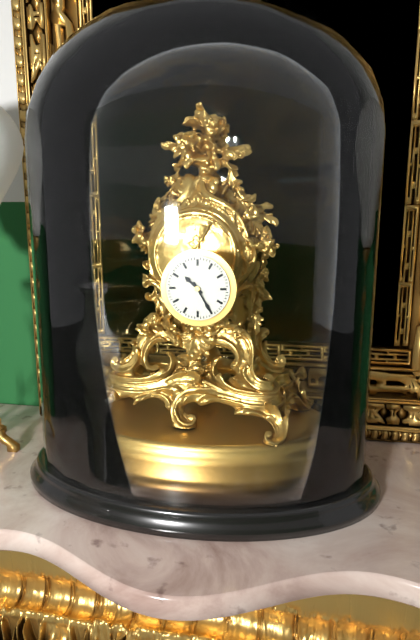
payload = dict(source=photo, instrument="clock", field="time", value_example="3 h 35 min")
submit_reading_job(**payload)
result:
10 h 25 min
